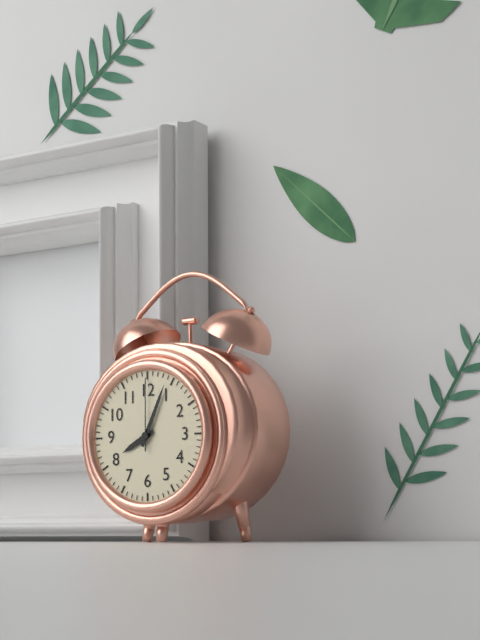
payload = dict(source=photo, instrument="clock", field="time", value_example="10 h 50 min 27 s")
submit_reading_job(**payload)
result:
8 h 04 min 00 s
